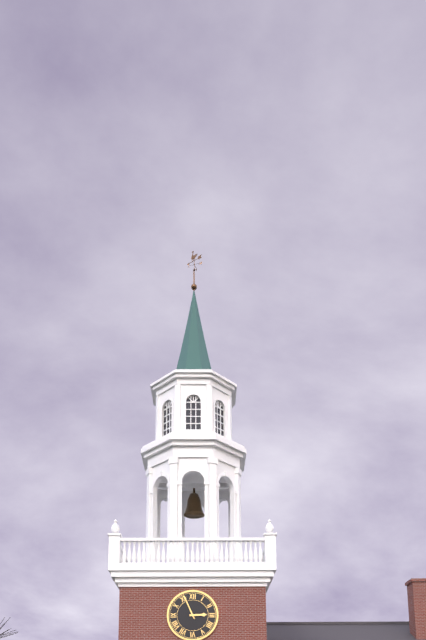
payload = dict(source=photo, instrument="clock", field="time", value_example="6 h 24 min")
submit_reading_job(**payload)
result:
2 h 56 min
